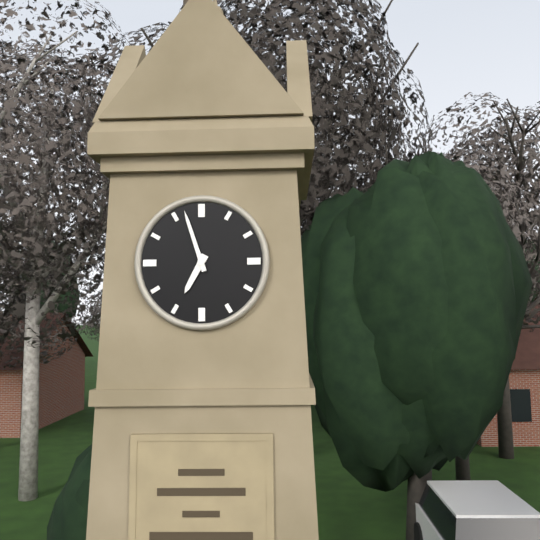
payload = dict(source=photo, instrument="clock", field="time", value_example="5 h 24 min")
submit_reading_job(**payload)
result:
6 h 57 min
